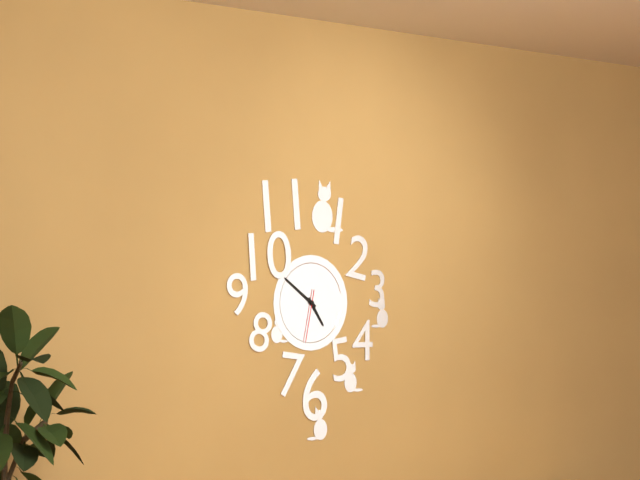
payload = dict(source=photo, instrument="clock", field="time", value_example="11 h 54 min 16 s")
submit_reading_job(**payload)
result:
4 h 51 min 32 s
